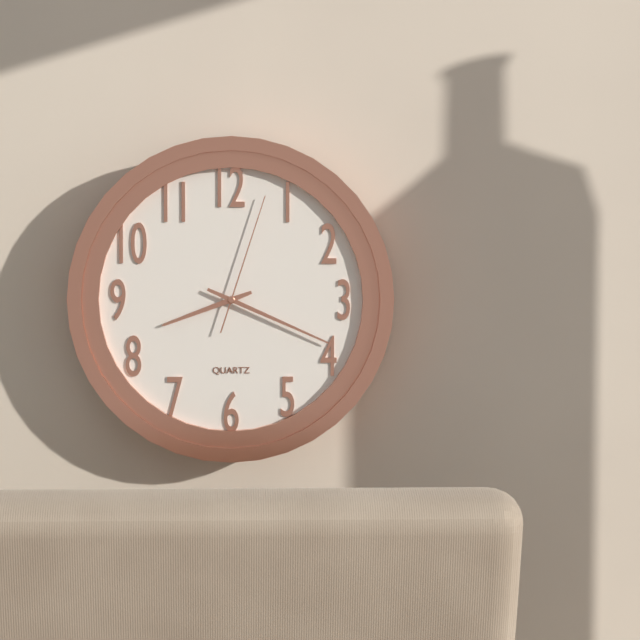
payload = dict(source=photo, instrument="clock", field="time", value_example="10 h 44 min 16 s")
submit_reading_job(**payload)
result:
8 h 19 min 03 s
